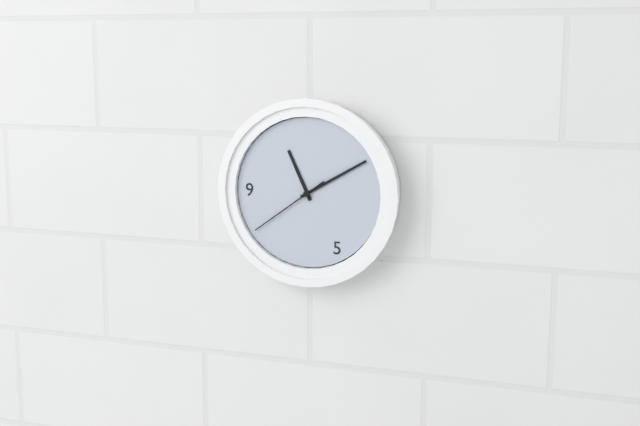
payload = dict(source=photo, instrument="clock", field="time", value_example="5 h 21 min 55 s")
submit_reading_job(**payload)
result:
11 h 10 min 39 s
